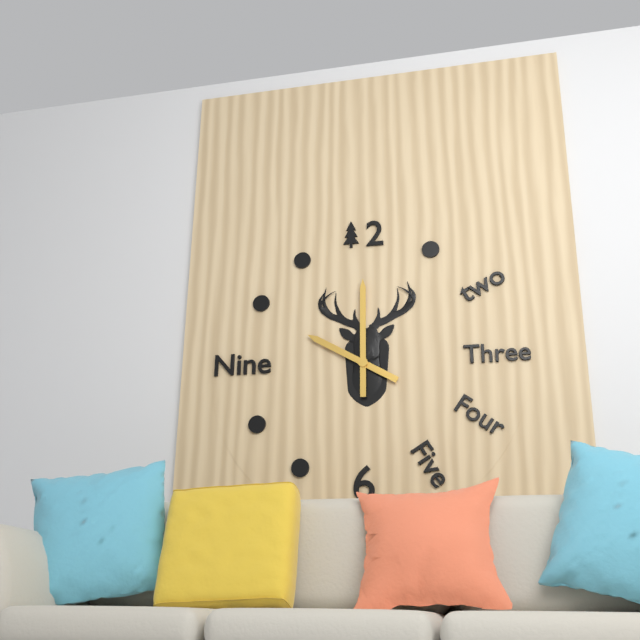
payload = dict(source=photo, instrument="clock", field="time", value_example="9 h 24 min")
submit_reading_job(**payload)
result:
10 h 00 min
